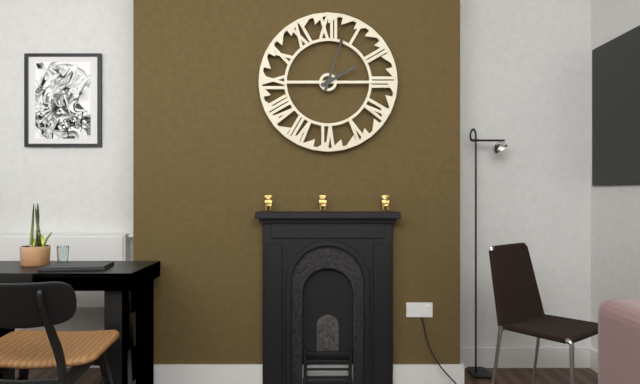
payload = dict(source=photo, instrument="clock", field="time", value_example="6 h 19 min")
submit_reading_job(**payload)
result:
2 h 03 min
